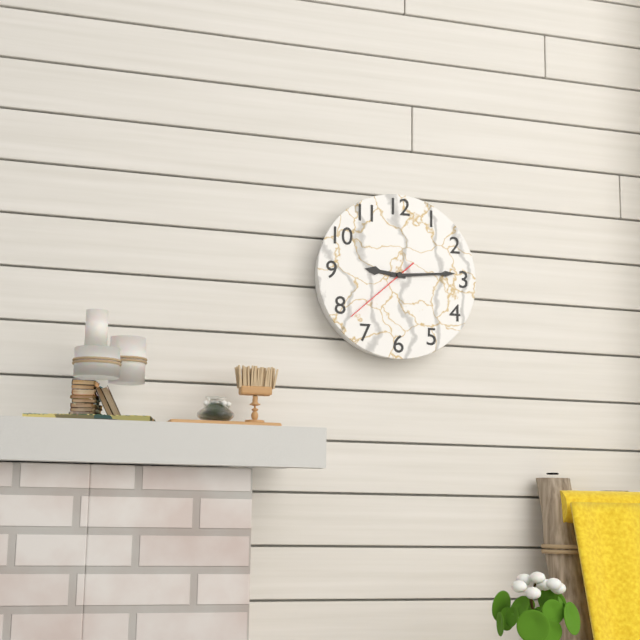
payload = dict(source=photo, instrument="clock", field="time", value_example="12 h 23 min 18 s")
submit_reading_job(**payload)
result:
9 h 14 min 38 s
